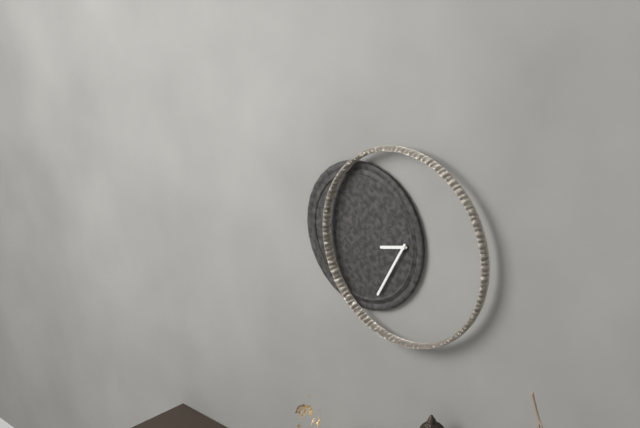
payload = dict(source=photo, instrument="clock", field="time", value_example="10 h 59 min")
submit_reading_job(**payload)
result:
8 h 35 min
